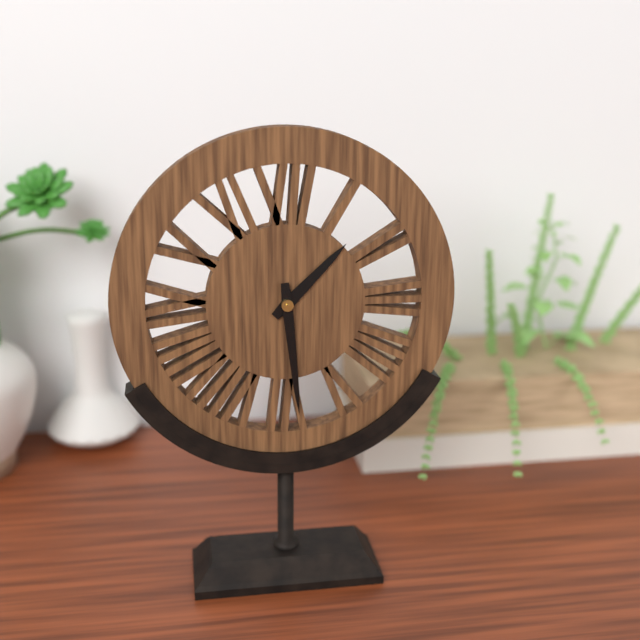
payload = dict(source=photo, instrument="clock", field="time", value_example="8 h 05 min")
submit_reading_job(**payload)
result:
1 h 29 min
